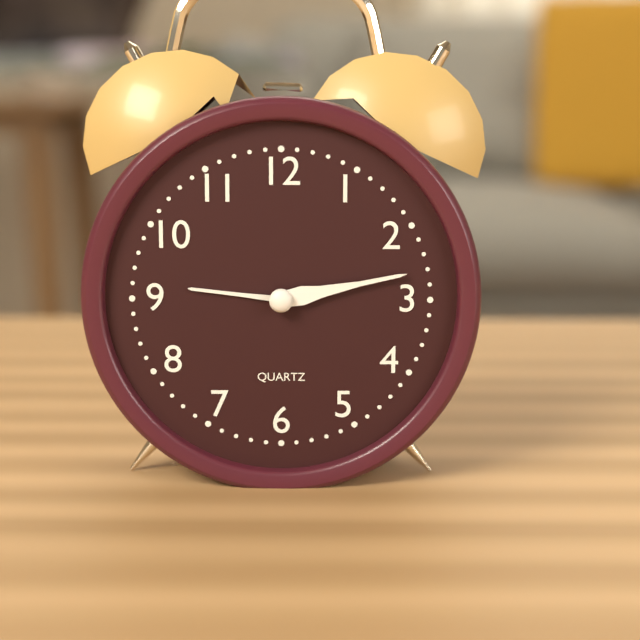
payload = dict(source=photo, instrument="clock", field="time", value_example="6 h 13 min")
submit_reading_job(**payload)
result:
9 h 13 min
